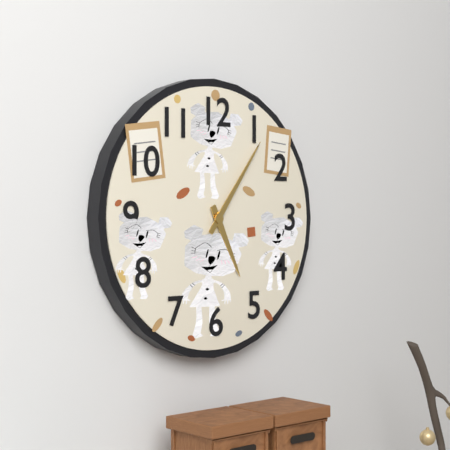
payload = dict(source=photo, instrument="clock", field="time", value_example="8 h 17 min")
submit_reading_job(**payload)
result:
5 h 06 min
